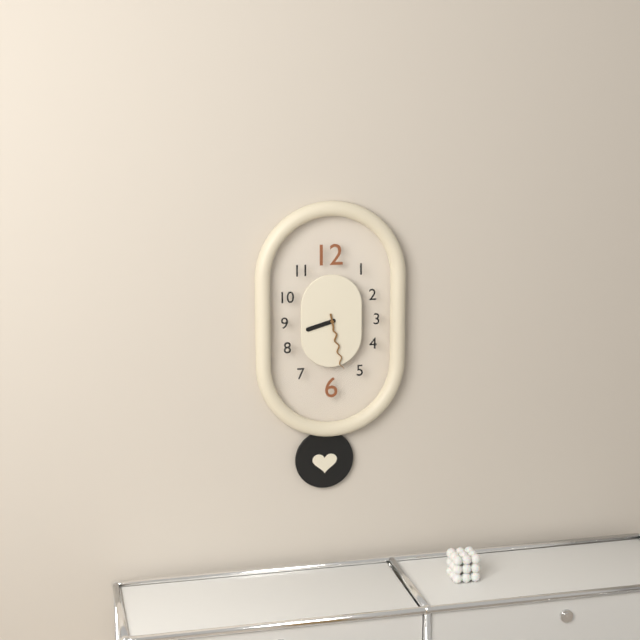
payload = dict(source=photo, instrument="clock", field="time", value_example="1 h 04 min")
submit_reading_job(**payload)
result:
8 h 28 min
